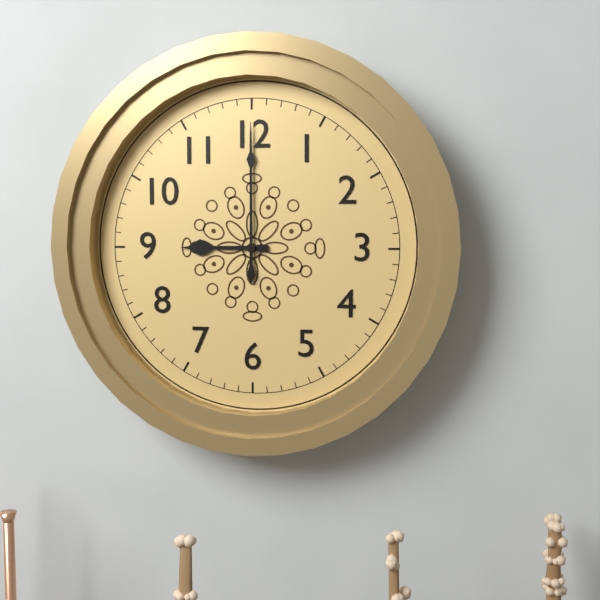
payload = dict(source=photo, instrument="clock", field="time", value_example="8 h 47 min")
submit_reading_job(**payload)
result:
9 h 00 min
